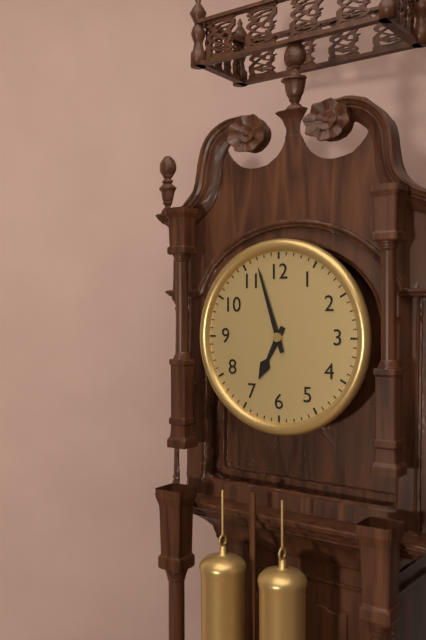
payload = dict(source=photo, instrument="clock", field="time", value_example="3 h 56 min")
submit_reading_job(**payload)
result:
6 h 57 min
